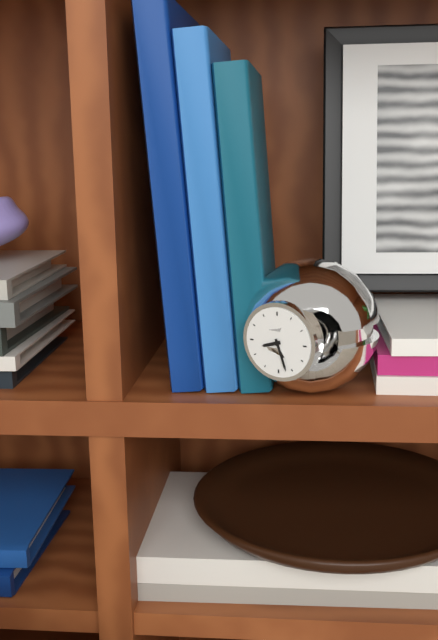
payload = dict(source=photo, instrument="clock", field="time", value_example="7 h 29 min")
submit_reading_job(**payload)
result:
8 h 27 min
